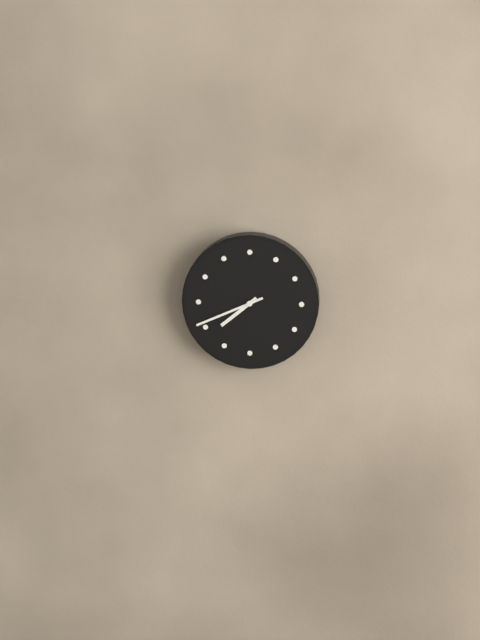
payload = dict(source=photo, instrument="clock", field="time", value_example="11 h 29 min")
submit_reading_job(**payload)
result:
7 h 41 min
